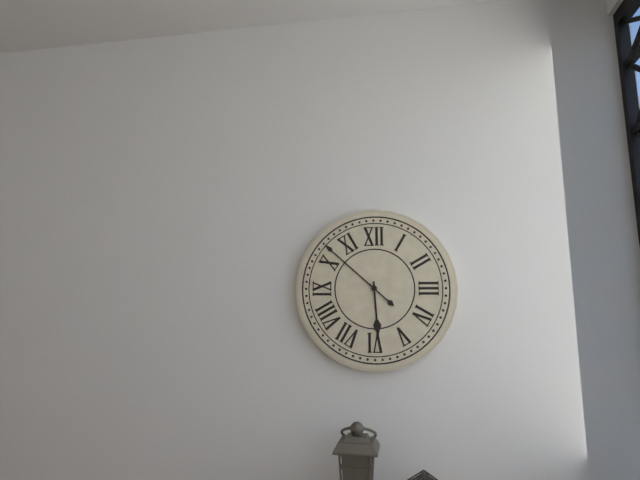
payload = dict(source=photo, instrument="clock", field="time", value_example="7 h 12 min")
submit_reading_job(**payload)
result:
5 h 52 min
